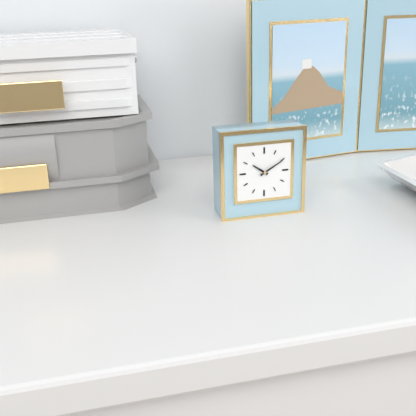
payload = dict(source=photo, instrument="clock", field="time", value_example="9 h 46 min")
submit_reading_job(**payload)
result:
10 h 10 min
